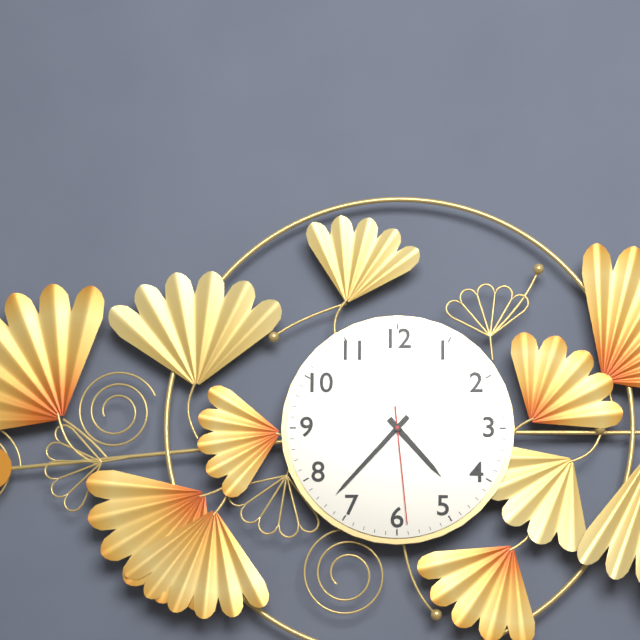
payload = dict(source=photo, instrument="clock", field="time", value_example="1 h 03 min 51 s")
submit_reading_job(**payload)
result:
4 h 37 min 29 s
